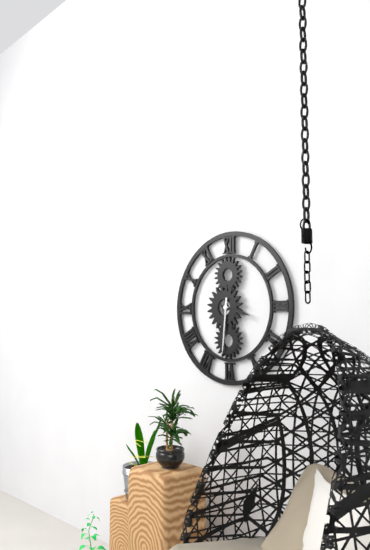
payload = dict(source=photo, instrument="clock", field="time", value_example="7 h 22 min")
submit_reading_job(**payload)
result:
3 h 31 min
